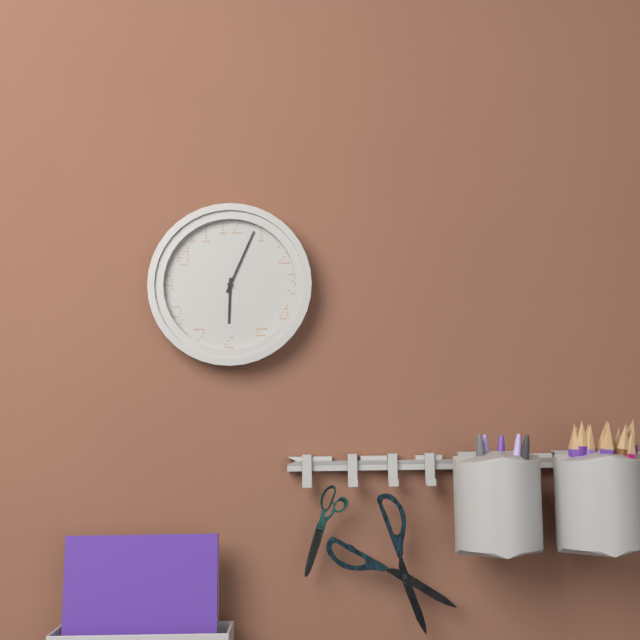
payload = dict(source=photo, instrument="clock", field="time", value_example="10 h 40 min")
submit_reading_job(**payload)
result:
6 h 04 min
